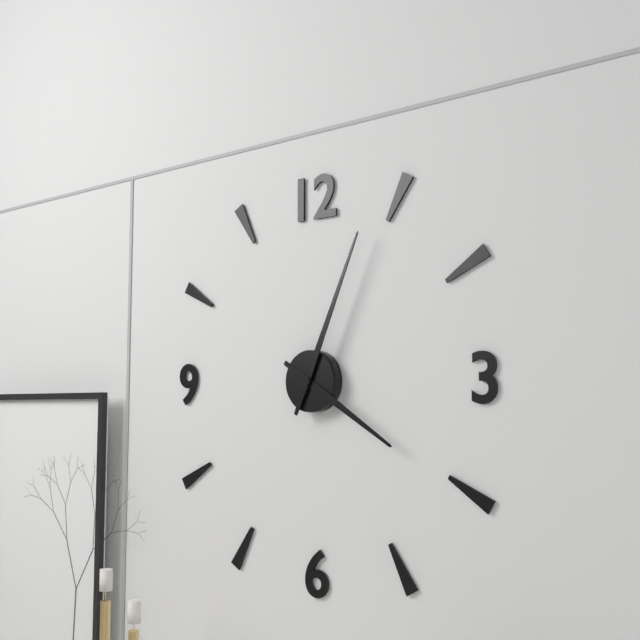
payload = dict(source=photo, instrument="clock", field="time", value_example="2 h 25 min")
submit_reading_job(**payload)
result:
4 h 04 min
